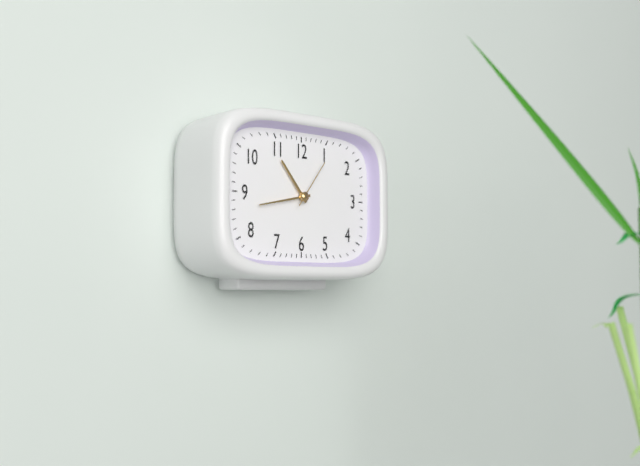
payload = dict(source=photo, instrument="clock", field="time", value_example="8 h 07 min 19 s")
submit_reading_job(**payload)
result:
10 h 43 min 06 s
